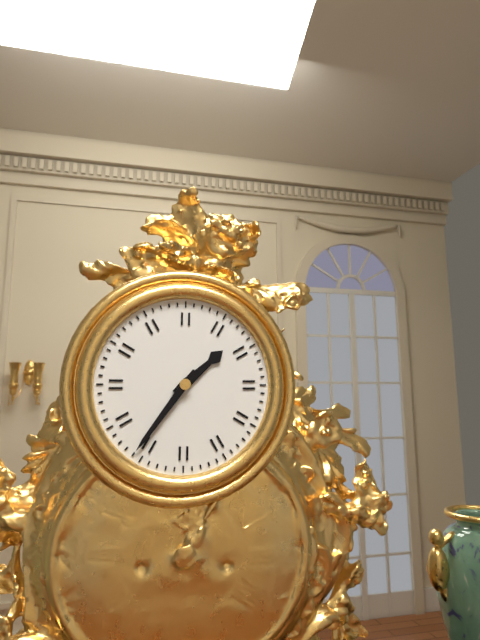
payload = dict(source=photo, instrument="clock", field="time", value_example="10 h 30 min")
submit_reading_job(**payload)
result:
1 h 36 min
